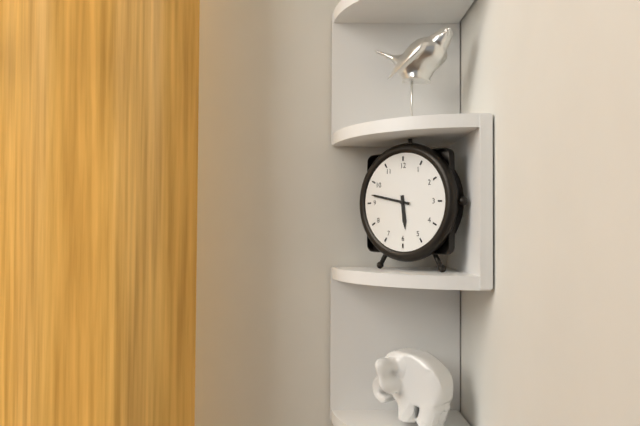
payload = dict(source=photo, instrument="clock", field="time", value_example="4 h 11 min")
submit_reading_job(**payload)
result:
5 h 47 min
